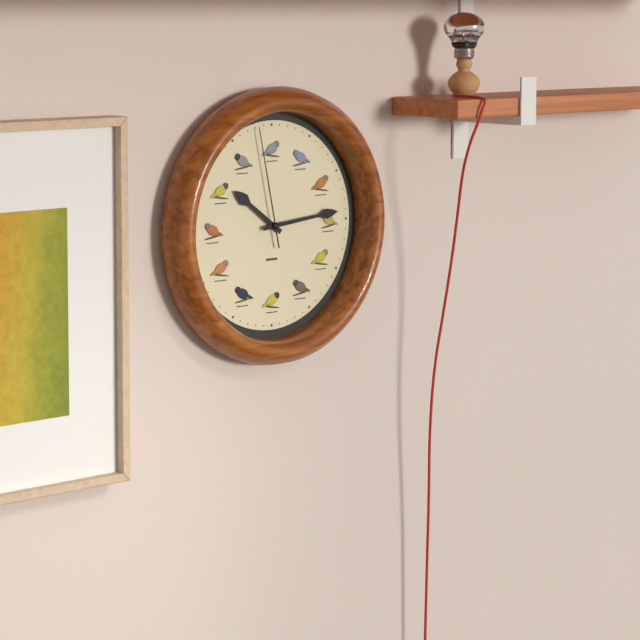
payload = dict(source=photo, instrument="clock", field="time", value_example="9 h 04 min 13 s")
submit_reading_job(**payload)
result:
10 h 14 min 58 s
